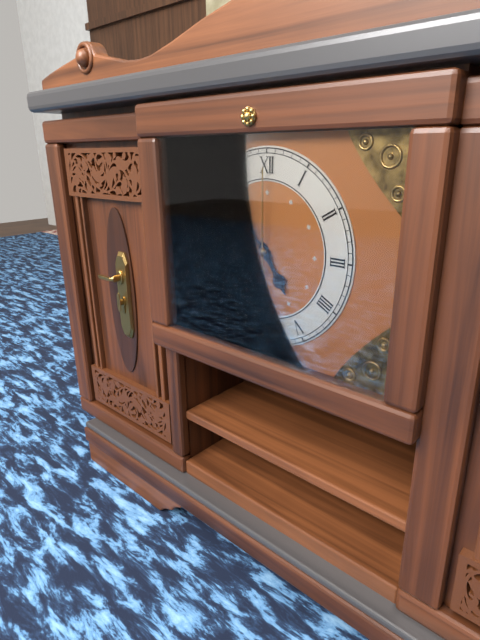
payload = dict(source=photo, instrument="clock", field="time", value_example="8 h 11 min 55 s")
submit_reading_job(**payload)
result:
4 h 53 min 00 s
